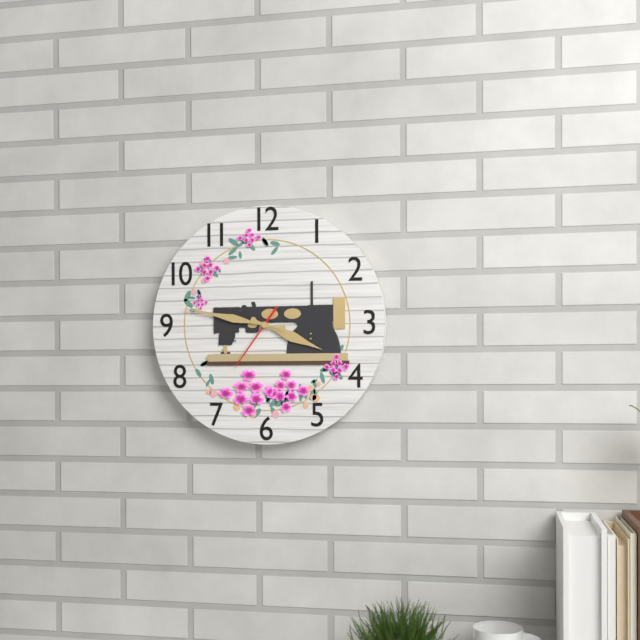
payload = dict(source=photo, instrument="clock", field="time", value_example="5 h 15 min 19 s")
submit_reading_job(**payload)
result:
3 h 47 min 36 s
